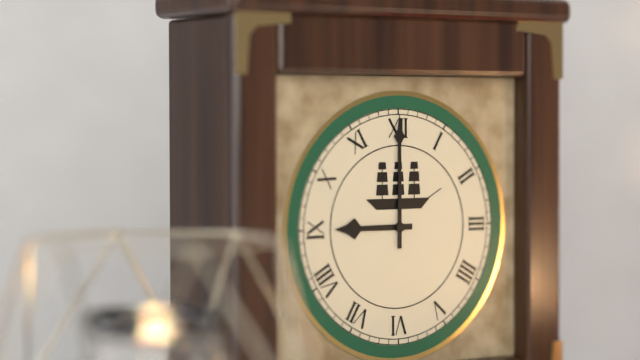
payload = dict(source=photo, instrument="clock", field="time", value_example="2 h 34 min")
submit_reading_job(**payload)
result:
9 h 00 min
